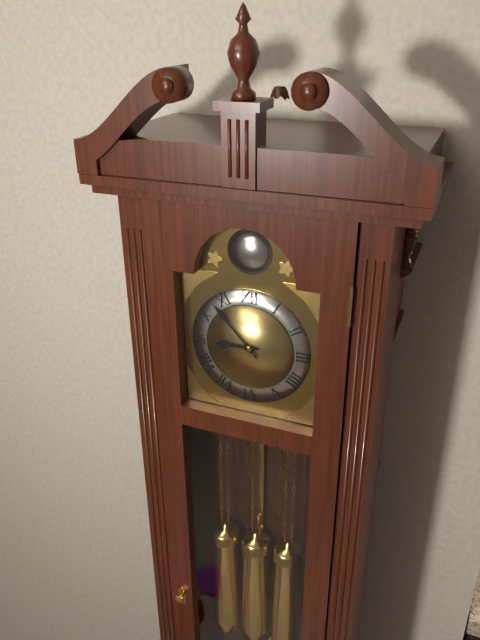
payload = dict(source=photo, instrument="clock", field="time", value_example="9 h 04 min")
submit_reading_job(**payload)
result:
8 h 53 min
